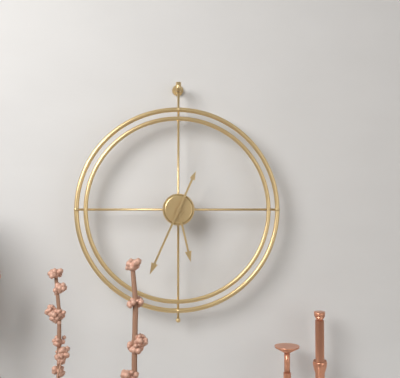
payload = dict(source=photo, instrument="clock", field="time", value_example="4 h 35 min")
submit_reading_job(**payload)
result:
5 h 34 min
